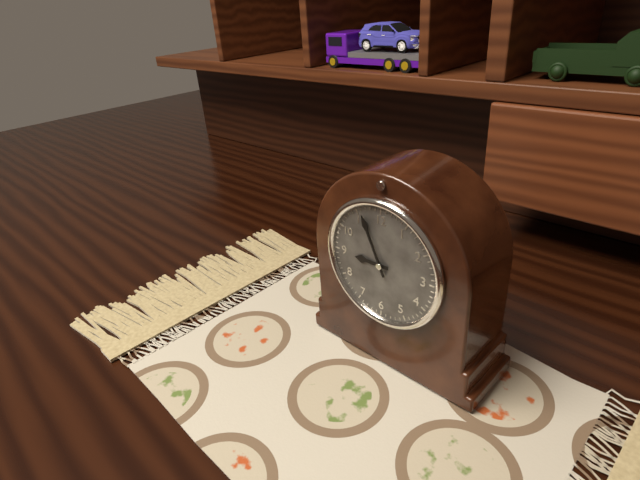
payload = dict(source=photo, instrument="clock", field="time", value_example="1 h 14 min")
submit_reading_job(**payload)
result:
8 h 56 min
